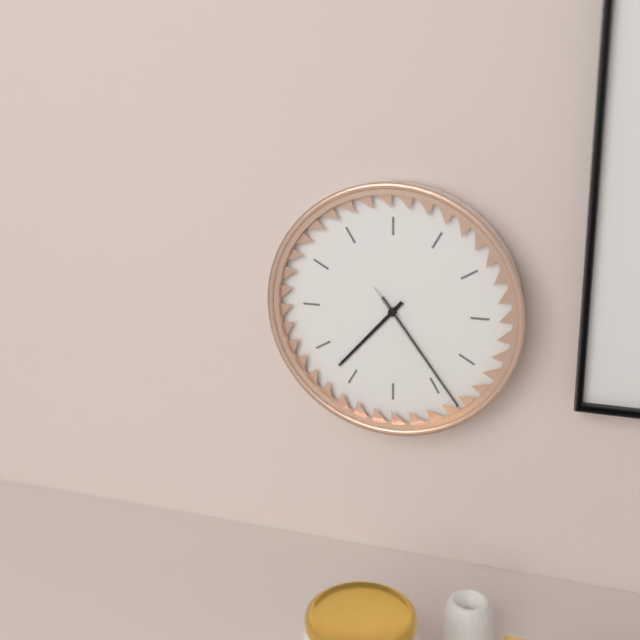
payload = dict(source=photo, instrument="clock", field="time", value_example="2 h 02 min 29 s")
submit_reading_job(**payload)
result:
7 h 24 min 24 s
